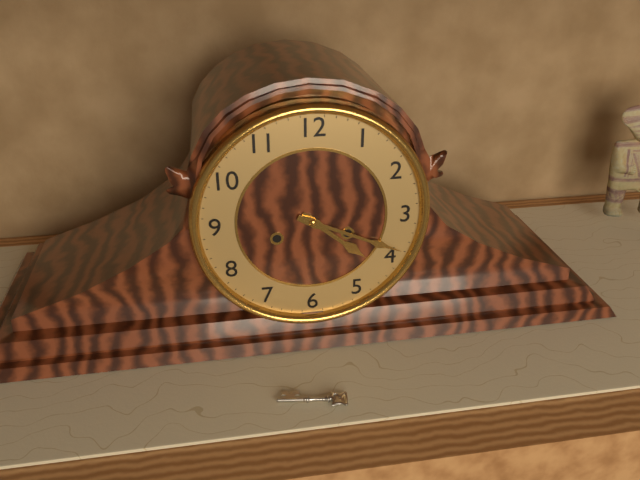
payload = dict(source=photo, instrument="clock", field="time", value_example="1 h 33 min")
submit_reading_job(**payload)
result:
4 h 19 min
